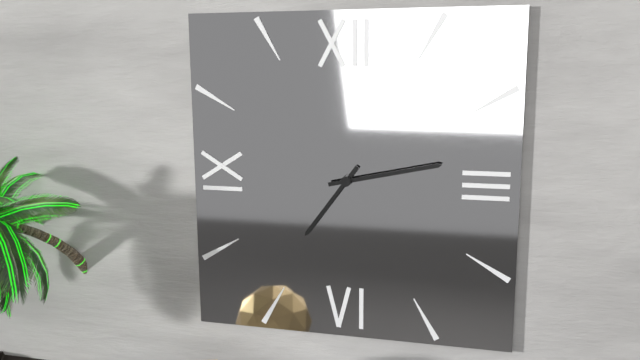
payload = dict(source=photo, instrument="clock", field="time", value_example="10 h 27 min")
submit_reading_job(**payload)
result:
7 h 13 min
